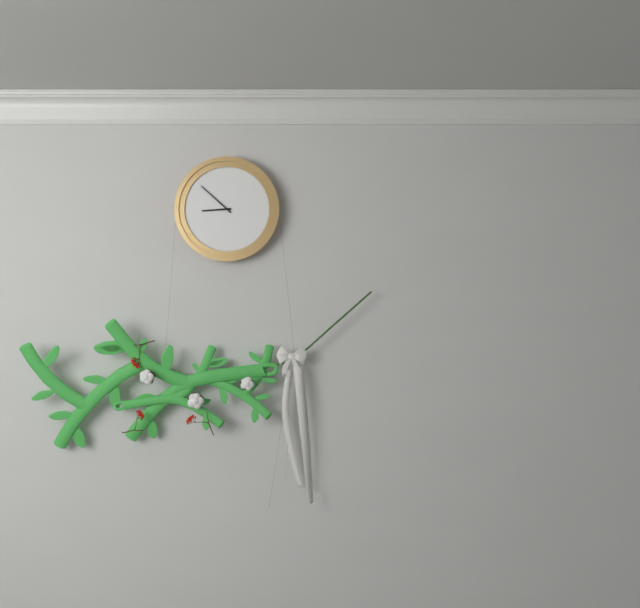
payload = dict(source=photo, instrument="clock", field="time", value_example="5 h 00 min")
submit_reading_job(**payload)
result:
8 h 52 min
